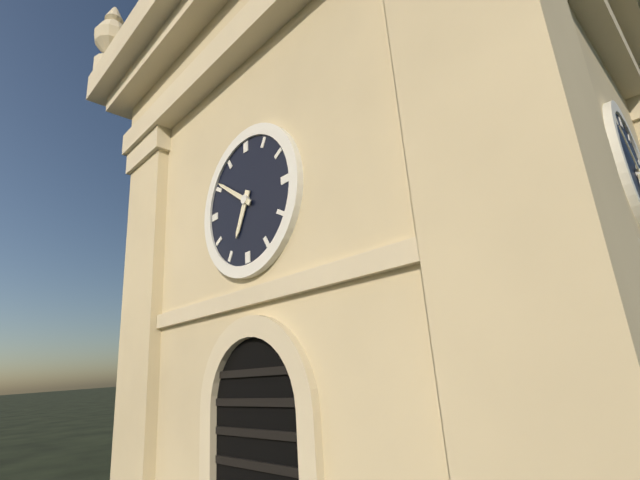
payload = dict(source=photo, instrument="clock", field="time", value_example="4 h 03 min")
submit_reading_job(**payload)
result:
6 h 51 min
